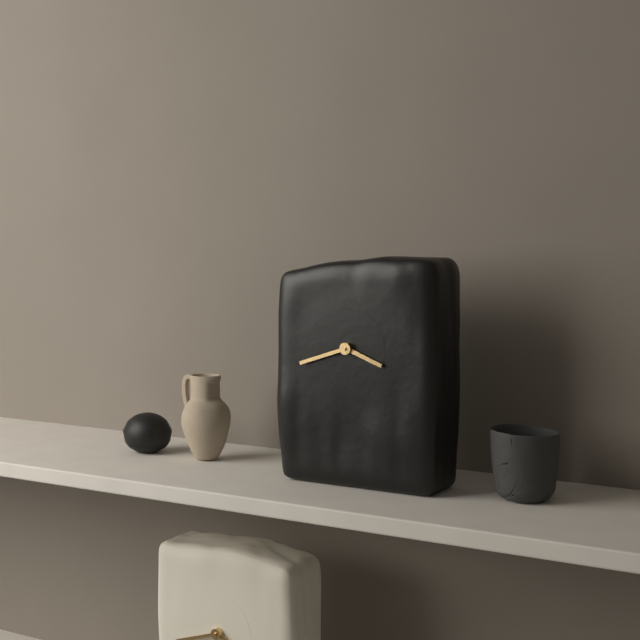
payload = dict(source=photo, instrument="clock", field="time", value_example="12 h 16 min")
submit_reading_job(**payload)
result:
3 h 42 min
